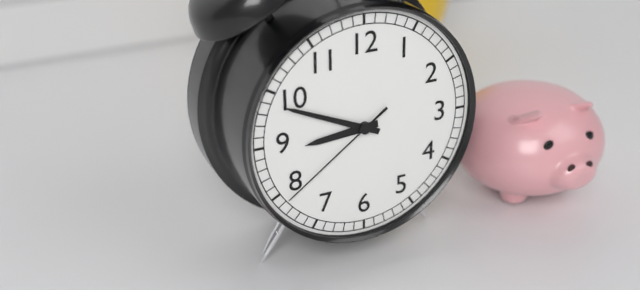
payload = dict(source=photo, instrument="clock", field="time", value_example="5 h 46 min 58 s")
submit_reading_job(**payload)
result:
8 h 49 min 39 s
